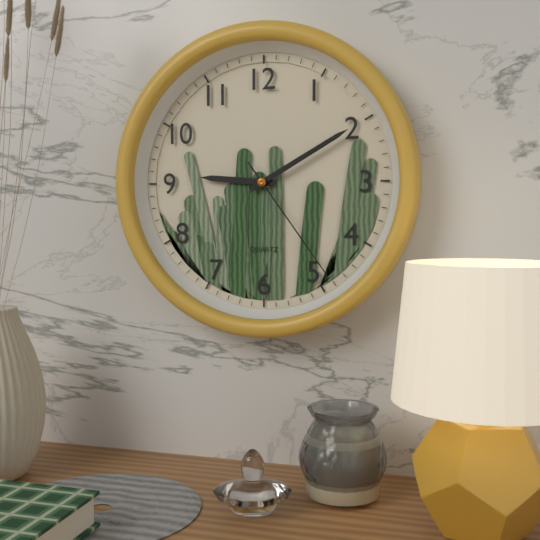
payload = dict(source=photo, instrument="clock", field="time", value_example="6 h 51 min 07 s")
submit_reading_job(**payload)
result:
9 h 10 min 24 s
